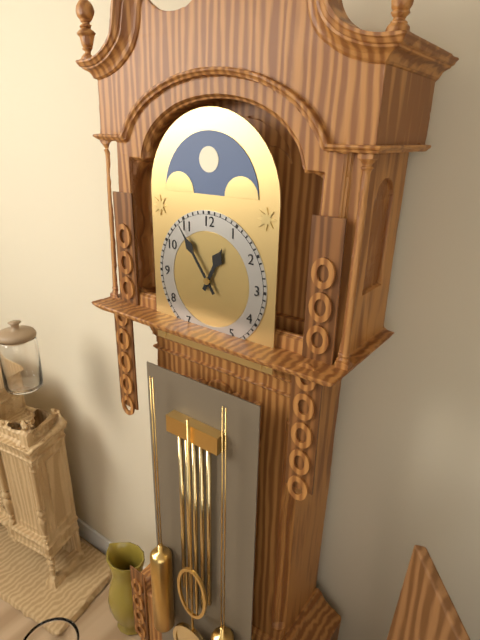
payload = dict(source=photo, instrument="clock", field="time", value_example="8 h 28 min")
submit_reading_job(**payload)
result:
12 h 54 min
